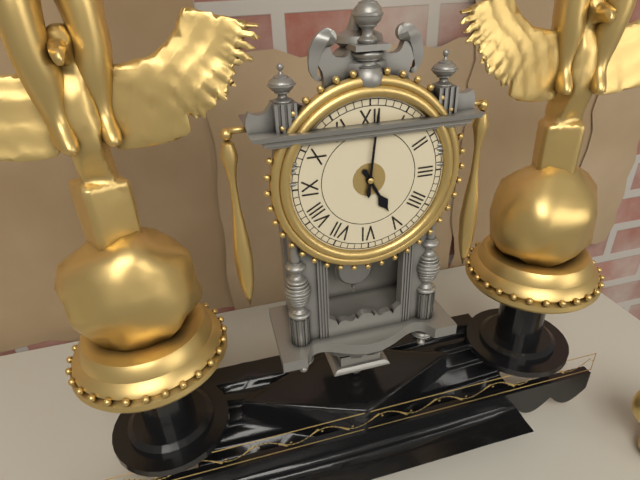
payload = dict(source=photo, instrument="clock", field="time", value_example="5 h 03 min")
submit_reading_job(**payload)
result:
5 h 01 min
